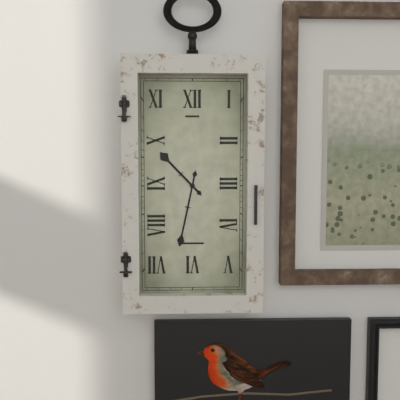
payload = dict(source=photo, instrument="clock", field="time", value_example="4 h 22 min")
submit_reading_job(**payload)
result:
10 h 32 min
